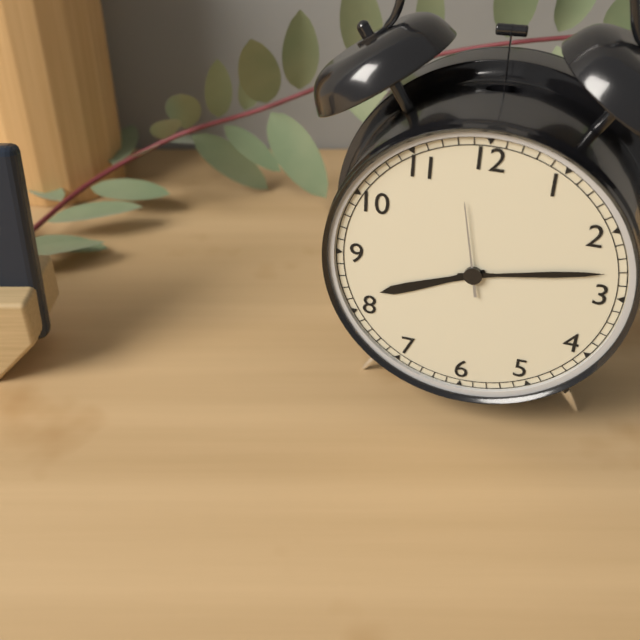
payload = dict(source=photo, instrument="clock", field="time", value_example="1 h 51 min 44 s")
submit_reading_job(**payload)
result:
8 h 13 min 58 s
